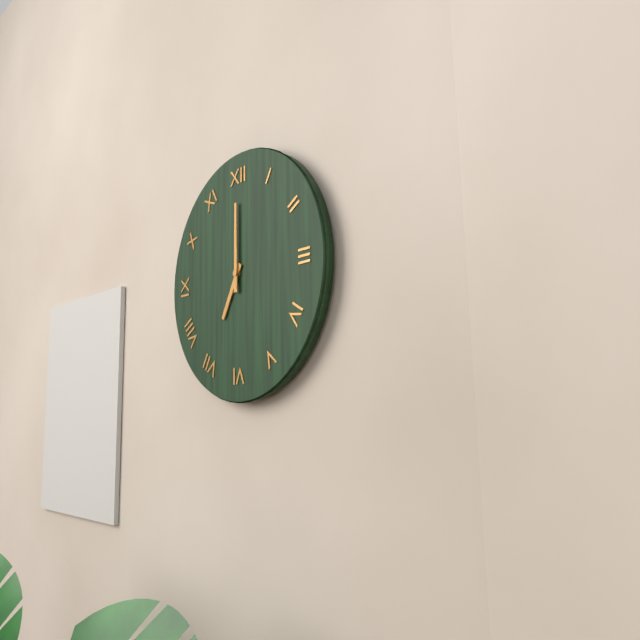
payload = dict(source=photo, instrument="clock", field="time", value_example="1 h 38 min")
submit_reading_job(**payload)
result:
7 h 00 min
